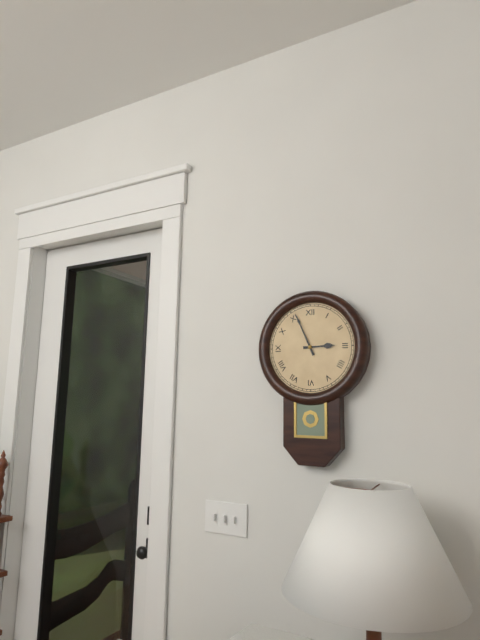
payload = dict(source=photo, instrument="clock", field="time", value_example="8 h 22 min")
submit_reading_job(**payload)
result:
2 h 56 min
